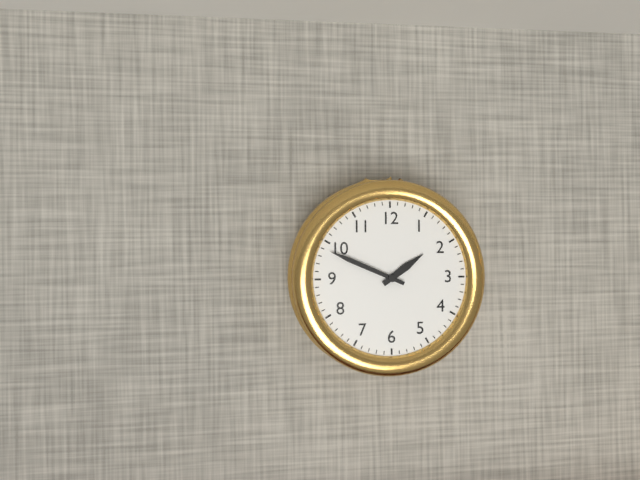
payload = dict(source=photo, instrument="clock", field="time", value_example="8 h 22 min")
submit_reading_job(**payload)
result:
1 h 49 min
